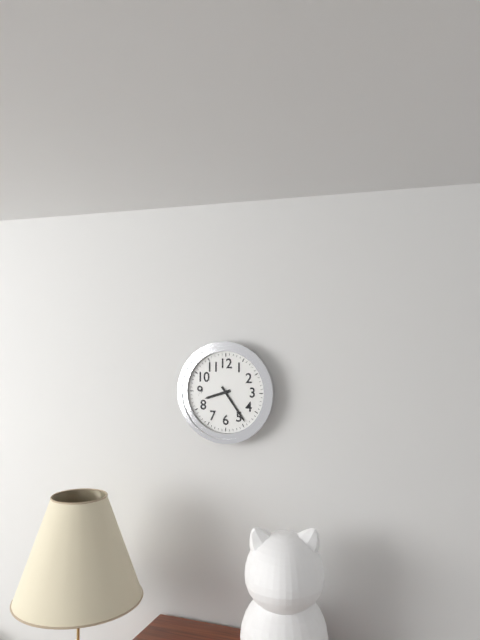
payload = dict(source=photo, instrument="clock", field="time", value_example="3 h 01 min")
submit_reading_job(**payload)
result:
8 h 24 min
